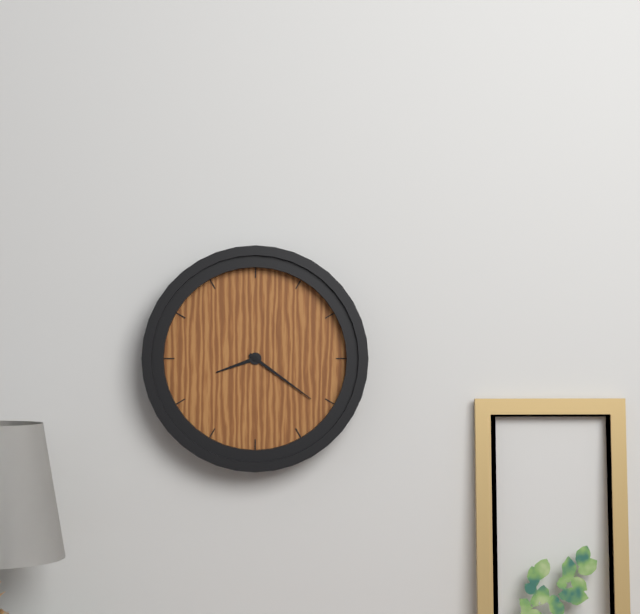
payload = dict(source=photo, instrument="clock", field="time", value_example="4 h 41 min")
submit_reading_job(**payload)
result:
8 h 21 min
